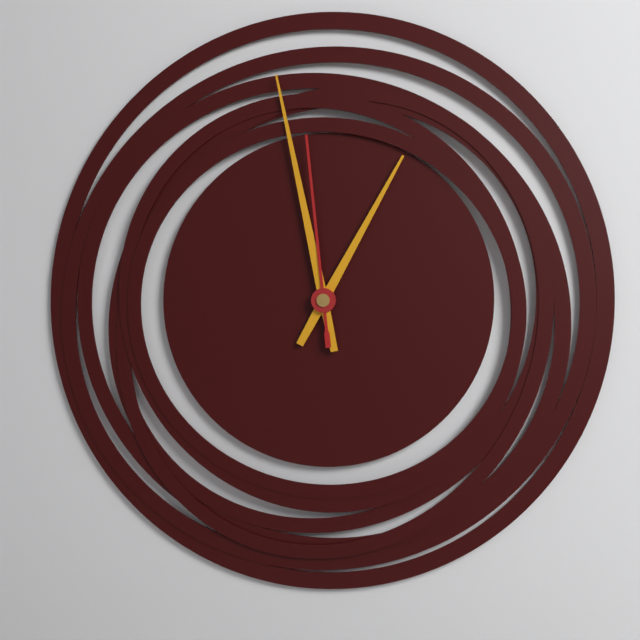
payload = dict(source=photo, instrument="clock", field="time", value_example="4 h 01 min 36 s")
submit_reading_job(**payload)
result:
12 h 58 min 59 s
